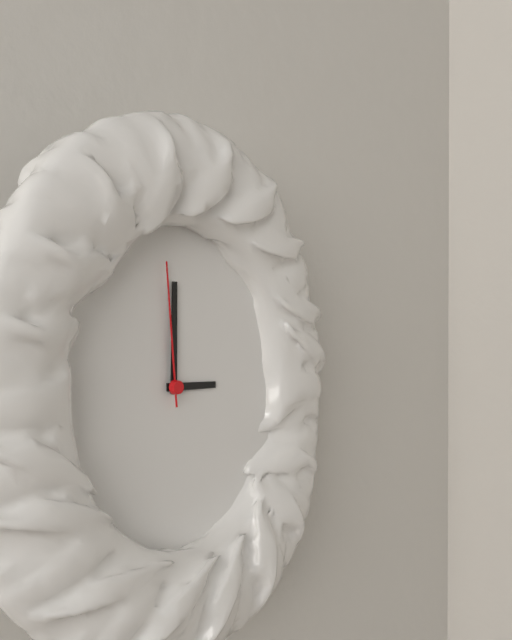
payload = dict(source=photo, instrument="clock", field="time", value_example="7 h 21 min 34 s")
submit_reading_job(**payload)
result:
3 h 00 min 59 s
